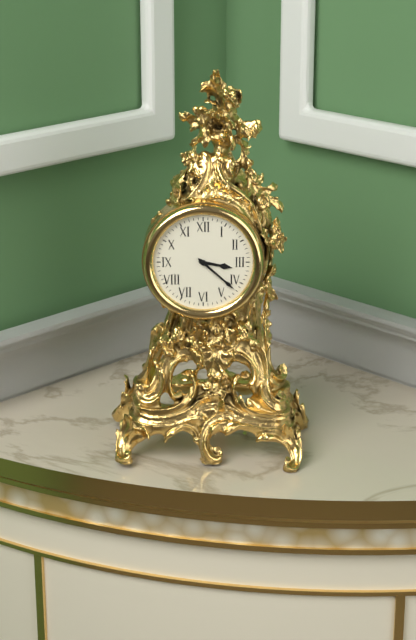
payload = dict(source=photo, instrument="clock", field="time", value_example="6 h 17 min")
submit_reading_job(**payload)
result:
3 h 22 min
